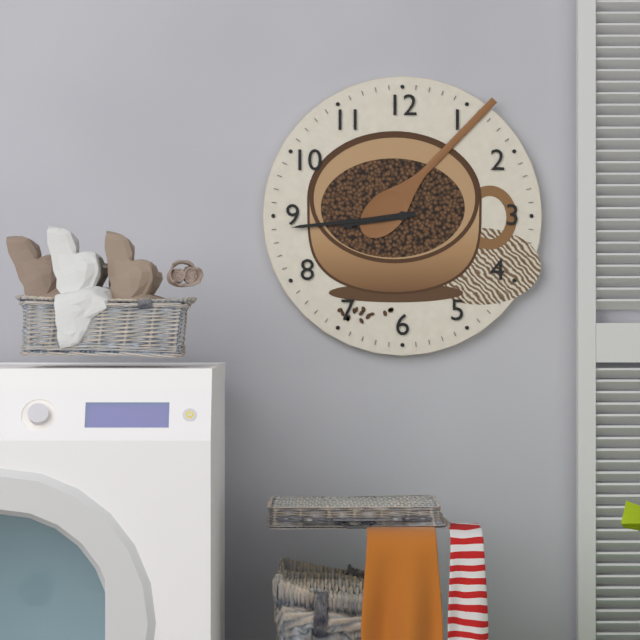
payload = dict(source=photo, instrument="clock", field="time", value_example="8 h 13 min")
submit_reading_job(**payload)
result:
8 h 44 min
